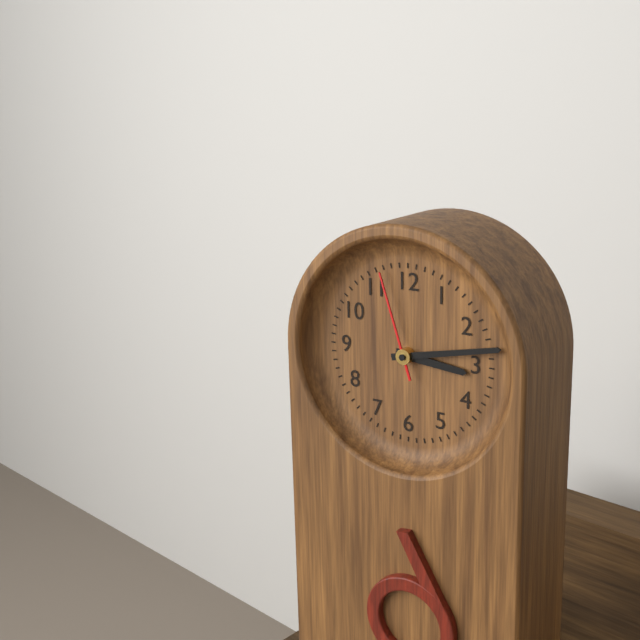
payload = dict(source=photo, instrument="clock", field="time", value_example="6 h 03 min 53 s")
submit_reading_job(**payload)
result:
3 h 13 min 57 s
